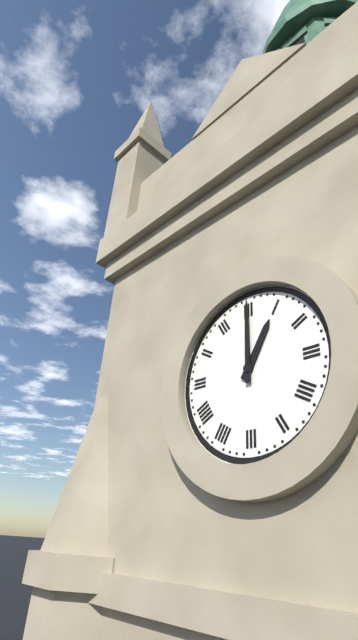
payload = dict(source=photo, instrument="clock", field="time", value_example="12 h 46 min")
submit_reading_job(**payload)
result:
1 h 00 min
